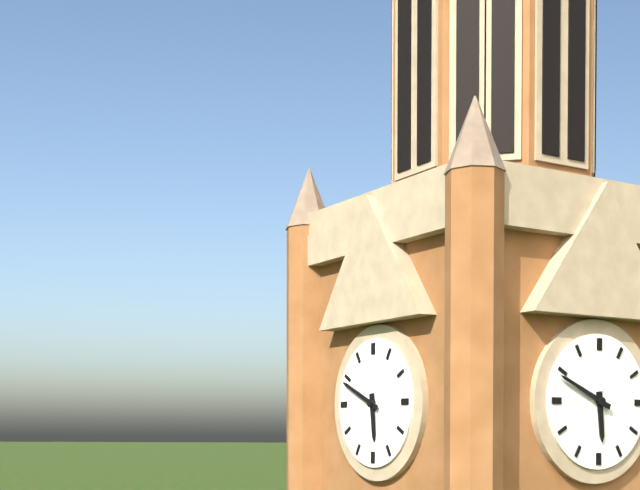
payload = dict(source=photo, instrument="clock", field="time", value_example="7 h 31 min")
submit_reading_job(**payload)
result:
5 h 49 min
